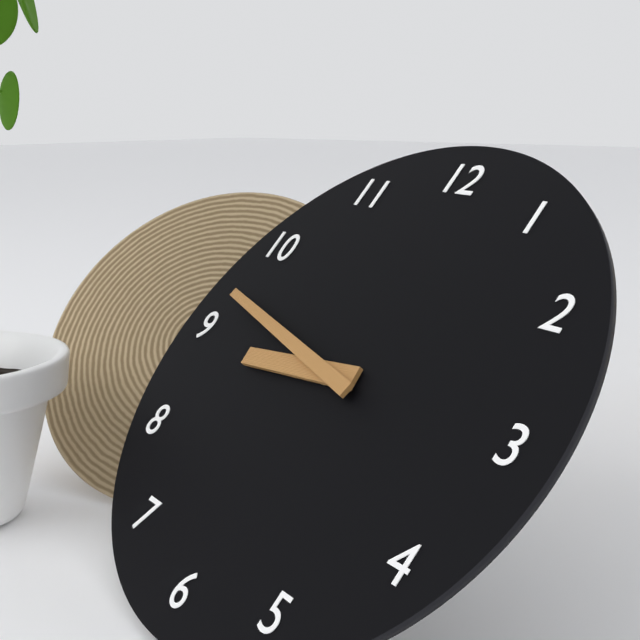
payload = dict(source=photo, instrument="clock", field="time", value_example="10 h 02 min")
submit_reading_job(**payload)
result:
8 h 47 min
